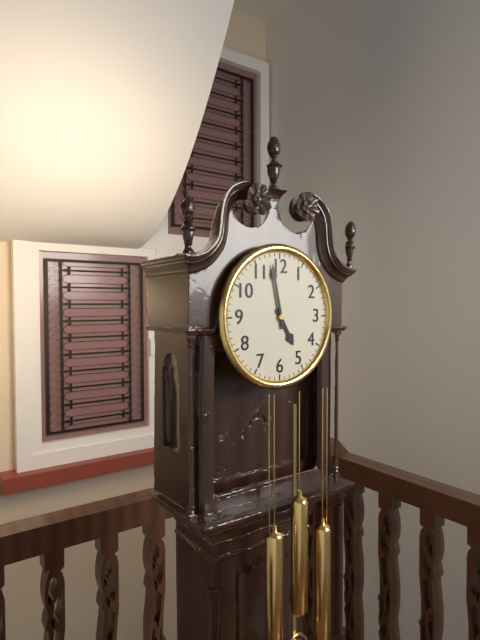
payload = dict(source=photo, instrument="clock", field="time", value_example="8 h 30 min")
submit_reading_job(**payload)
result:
4 h 58 min
